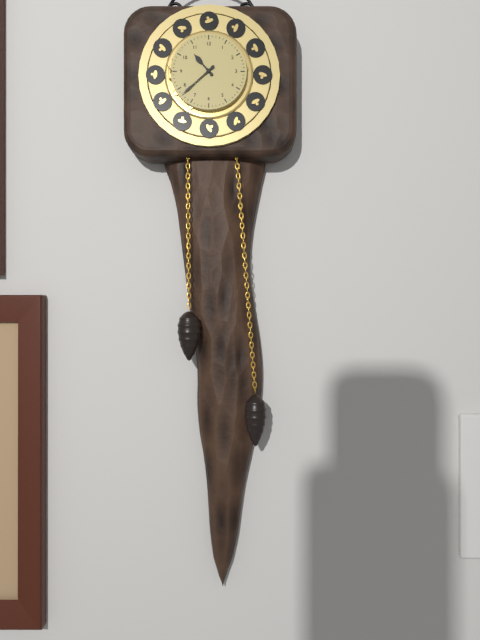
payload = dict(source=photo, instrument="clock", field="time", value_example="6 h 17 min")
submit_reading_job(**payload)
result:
10 h 38 min
